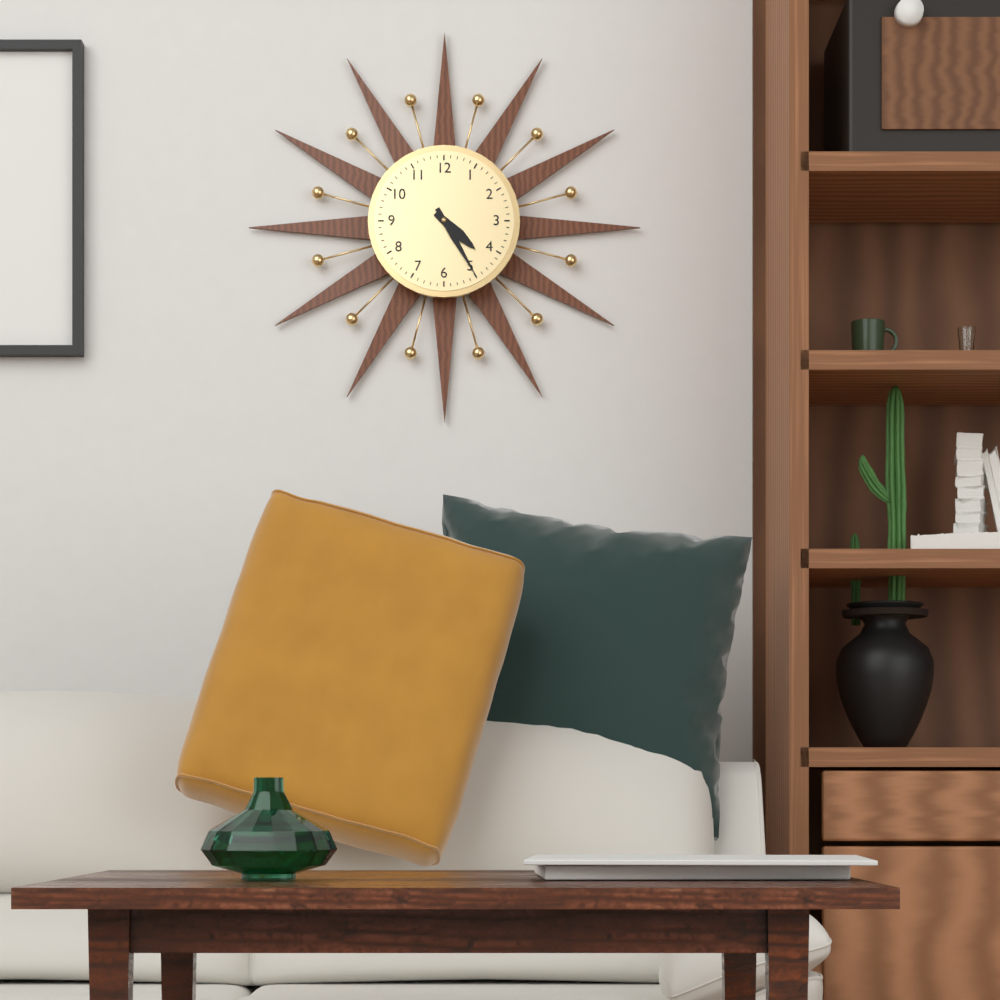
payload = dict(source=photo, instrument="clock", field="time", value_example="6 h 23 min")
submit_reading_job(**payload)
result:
4 h 25 min
